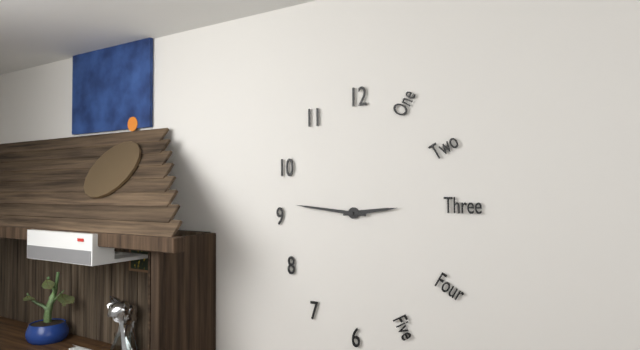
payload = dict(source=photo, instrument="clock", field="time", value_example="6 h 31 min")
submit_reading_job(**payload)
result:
2 h 46 min
